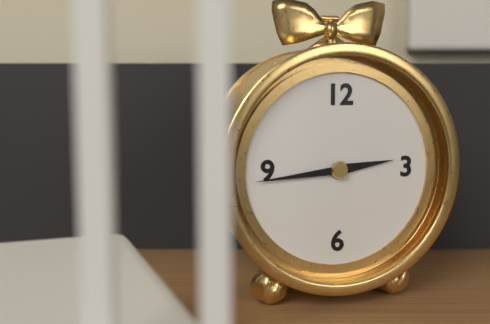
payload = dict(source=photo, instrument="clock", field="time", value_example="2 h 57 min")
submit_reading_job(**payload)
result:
2 h 44 min
